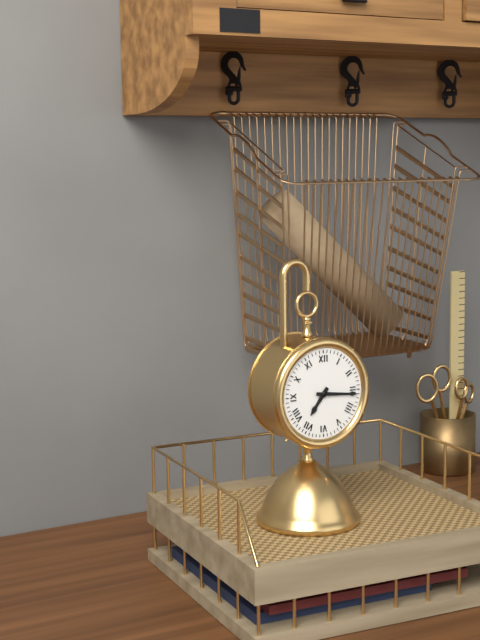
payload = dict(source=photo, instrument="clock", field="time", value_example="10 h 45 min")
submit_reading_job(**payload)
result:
7 h 16 min
